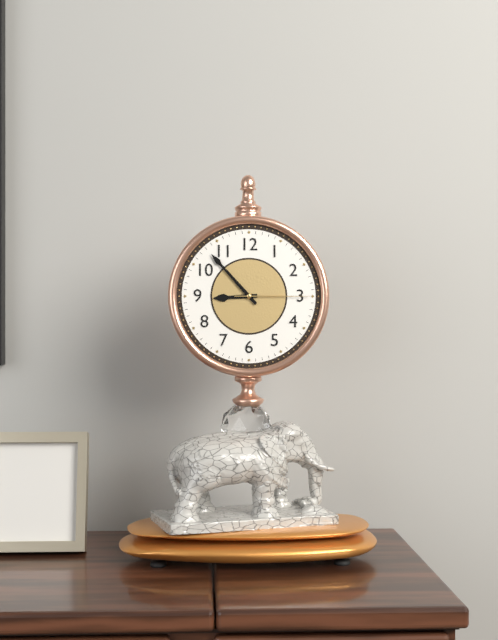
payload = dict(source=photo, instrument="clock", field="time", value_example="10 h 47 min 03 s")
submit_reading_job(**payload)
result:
8 h 53 min 15 s
